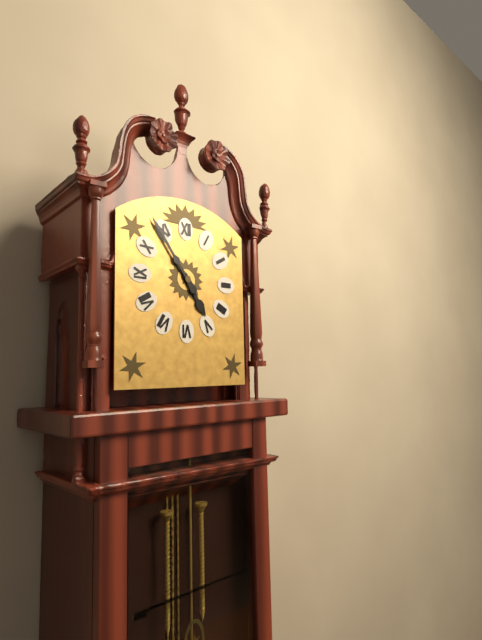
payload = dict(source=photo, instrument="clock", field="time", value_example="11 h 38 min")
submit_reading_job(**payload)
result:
4 h 54 min
